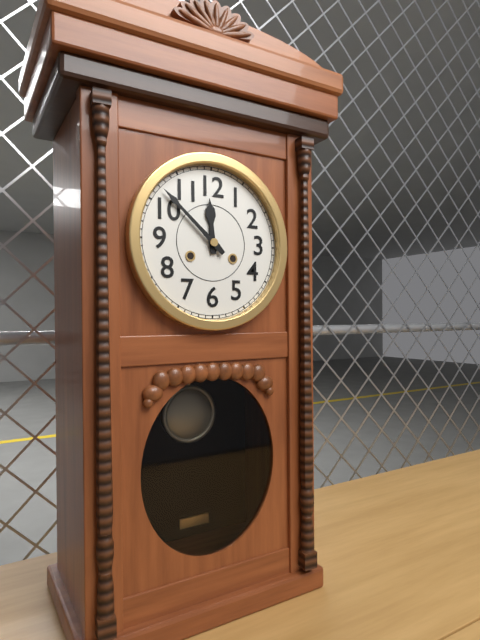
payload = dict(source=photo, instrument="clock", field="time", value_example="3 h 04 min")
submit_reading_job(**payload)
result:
11 h 52 min
